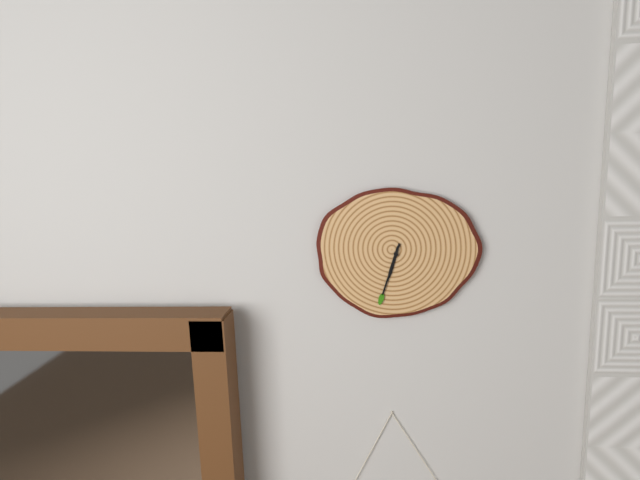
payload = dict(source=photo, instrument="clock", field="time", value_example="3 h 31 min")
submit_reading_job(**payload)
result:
6 h 33 min
